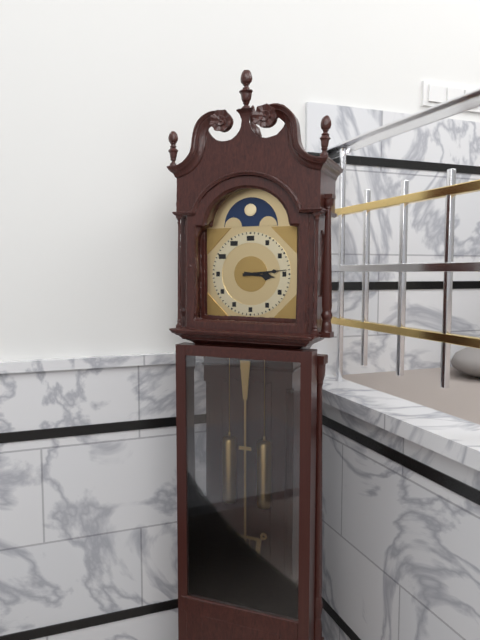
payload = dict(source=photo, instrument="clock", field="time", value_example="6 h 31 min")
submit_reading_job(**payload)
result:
3 h 14 min
